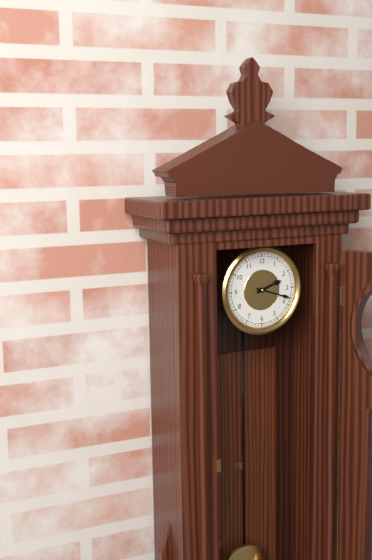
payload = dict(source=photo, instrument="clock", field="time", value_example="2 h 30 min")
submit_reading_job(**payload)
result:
2 h 18 min
